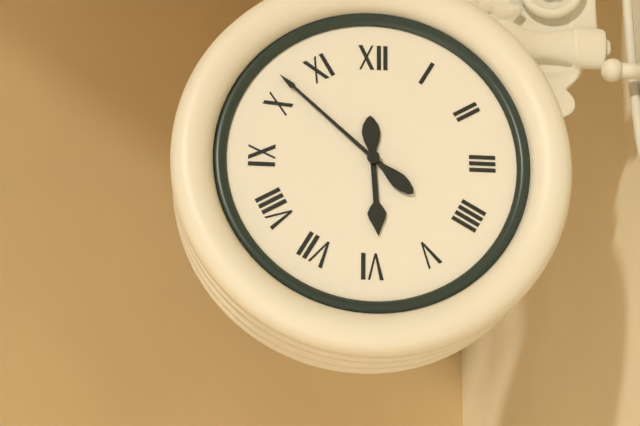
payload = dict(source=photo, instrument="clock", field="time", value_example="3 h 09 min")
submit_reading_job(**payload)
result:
5 h 52 min
